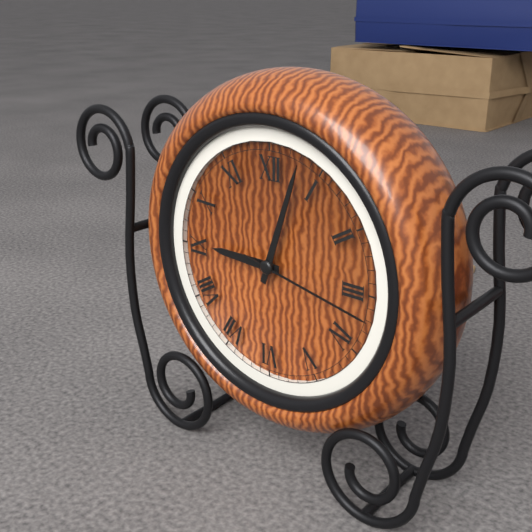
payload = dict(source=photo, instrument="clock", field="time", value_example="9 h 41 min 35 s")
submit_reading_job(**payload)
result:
9 h 03 min 17 s
